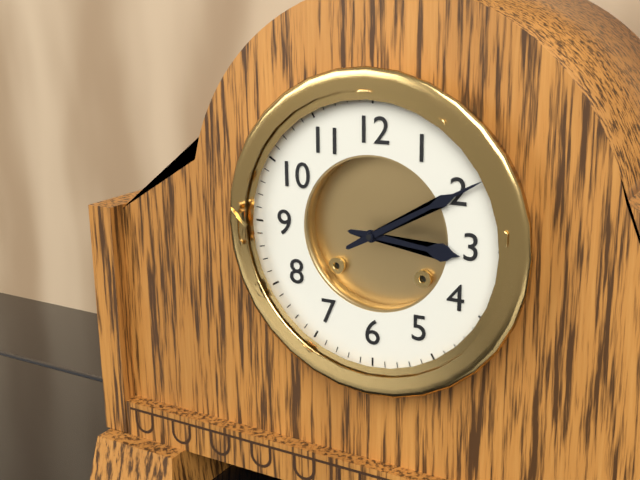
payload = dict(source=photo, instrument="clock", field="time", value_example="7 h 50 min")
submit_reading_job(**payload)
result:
3 h 10 min
